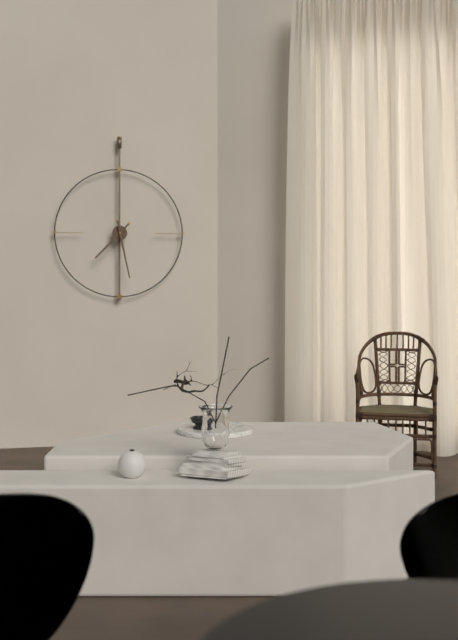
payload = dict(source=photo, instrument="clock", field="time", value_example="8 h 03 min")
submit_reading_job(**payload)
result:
7 h 28 min
